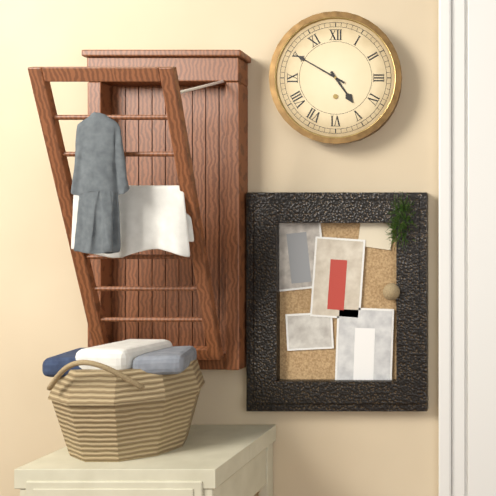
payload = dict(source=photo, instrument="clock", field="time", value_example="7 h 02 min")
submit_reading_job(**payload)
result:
4 h 50 min
